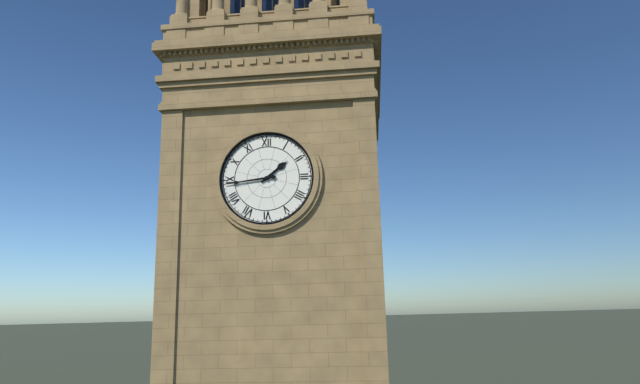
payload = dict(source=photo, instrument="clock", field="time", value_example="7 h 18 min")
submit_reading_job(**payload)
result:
1 h 44 min
